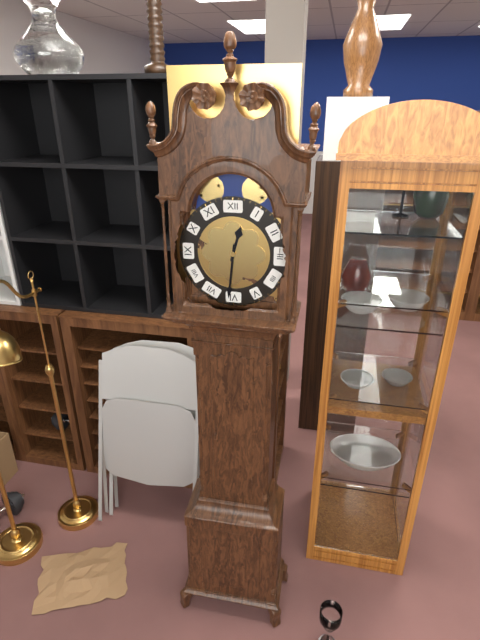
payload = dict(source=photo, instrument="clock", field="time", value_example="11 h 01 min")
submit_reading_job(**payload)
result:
12 h 31 min
